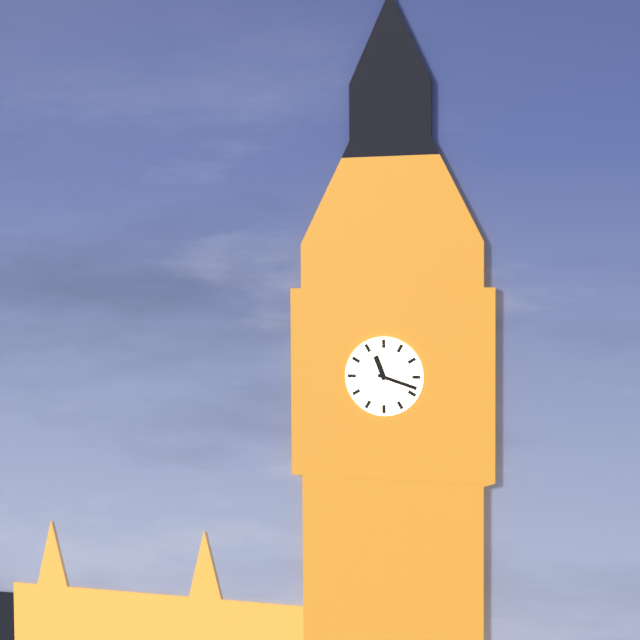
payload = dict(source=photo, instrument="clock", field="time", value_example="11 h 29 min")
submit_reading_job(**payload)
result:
11 h 18 min
